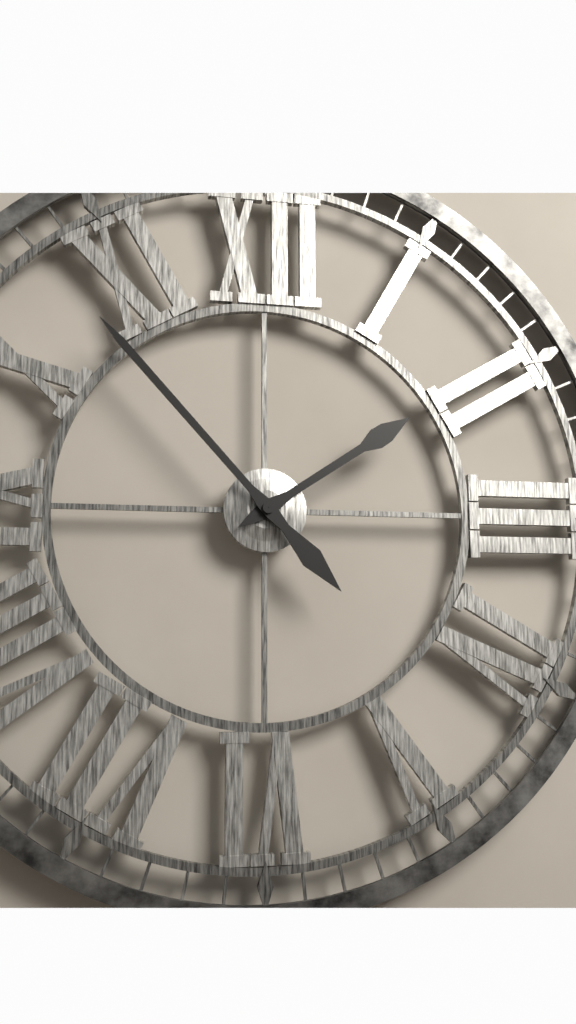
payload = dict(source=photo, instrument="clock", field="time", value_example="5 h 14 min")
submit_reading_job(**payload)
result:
1 h 53 min
